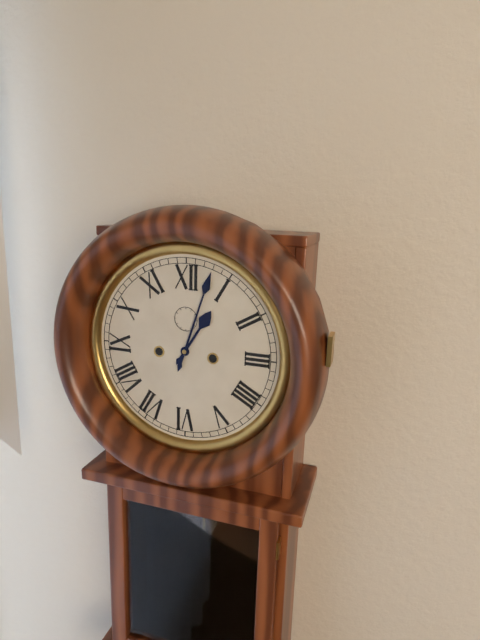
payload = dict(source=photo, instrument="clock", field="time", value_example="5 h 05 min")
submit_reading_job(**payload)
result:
1 h 03 min
